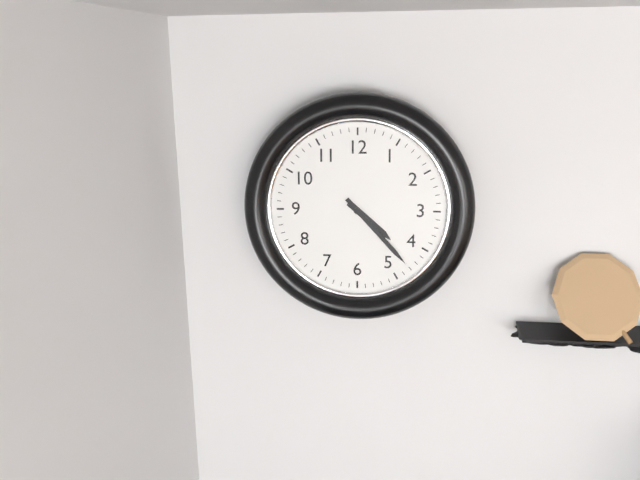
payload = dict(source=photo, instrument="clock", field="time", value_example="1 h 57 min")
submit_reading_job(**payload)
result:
4 h 23 min
